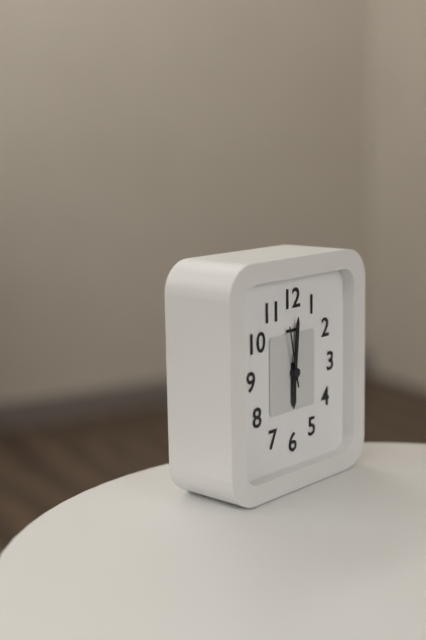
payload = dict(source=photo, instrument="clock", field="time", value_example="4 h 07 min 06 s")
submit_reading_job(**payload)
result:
6 h 01 min 58 s
